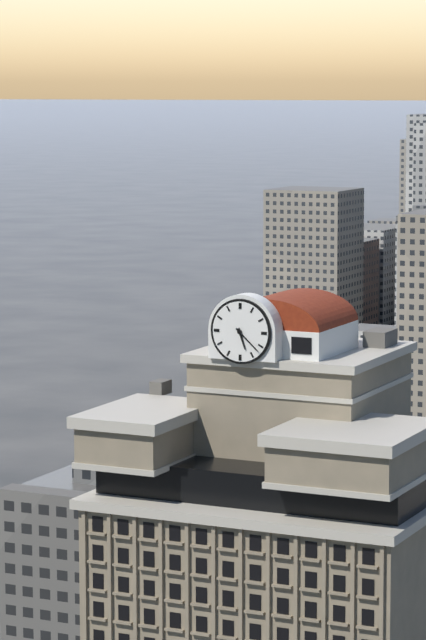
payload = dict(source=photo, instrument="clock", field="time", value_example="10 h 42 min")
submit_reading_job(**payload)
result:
5 h 22 min
